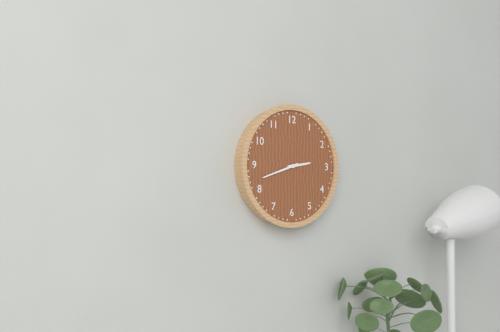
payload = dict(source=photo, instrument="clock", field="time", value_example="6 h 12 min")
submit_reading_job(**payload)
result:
2 h 42 min
